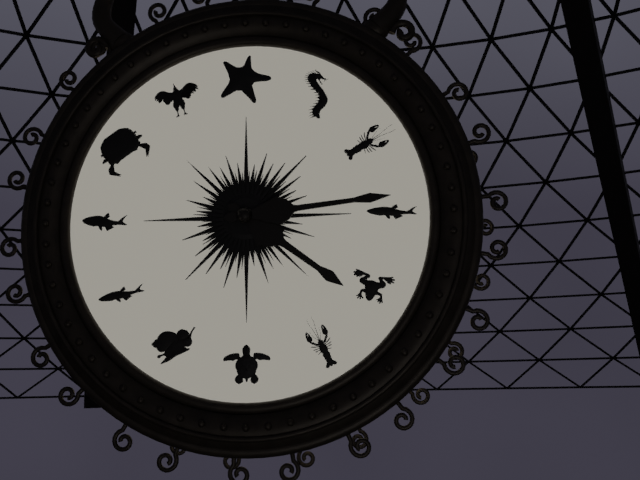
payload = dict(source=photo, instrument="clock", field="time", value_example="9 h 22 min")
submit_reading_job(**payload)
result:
4 h 14 min
